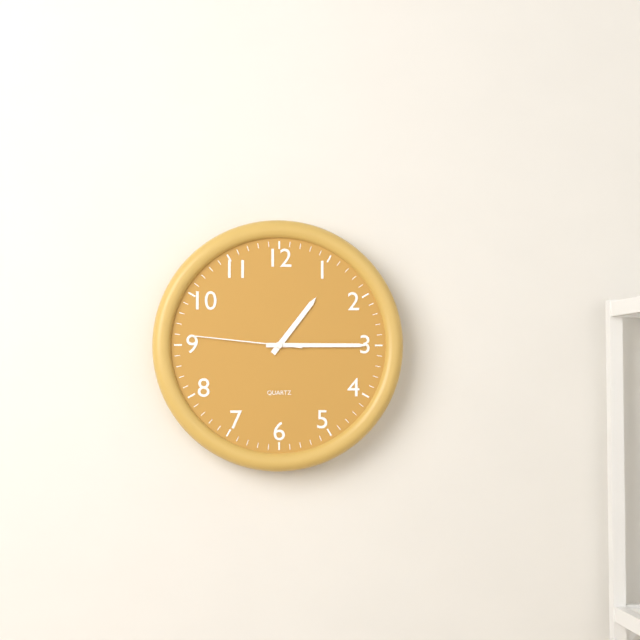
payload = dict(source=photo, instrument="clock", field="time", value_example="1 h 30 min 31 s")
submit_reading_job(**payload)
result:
1 h 15 min 46 s
